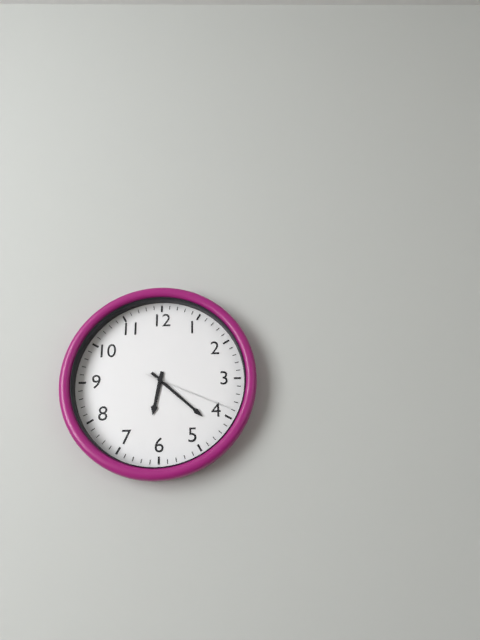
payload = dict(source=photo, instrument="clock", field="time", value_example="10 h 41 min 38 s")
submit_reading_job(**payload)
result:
6 h 22 min 19 s
